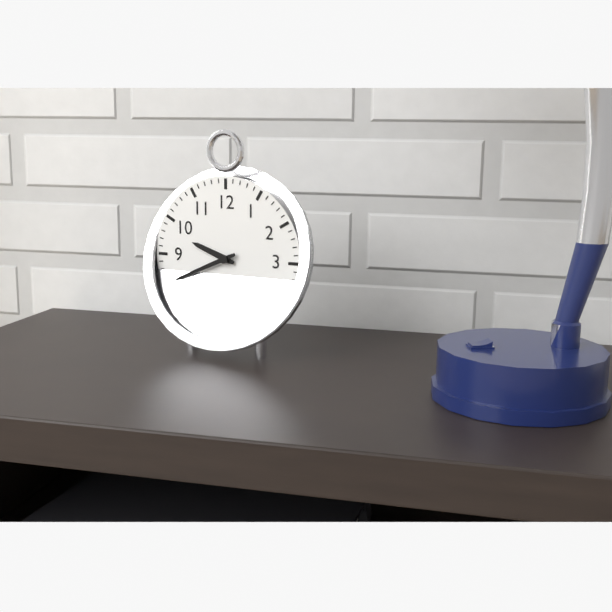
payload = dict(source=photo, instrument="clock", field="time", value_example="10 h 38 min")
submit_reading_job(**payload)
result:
9 h 41 min
